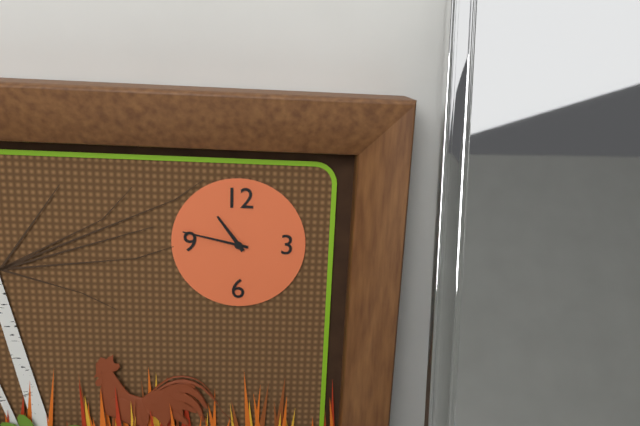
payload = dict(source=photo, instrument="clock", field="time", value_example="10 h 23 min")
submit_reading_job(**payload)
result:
10 h 47 min
